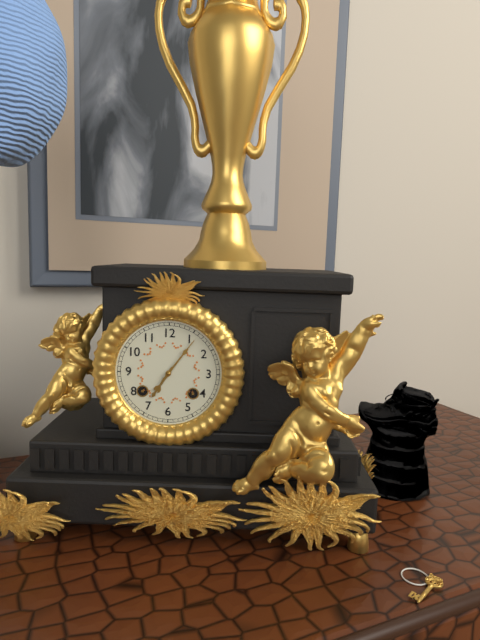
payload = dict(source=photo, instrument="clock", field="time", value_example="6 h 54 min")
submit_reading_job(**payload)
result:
7 h 06 min
